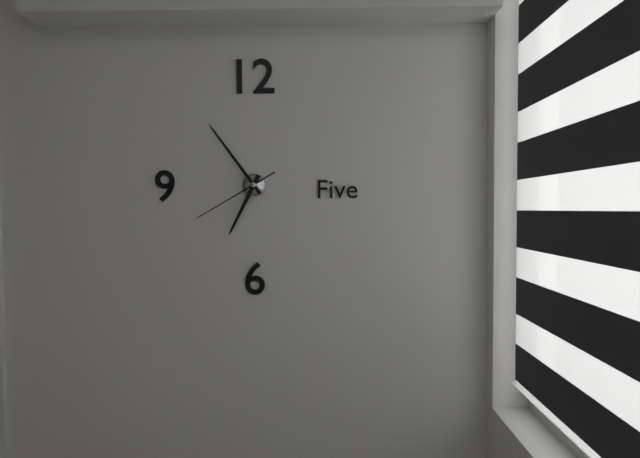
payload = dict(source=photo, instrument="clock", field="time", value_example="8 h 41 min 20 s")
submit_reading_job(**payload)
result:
6 h 54 min 40 s
